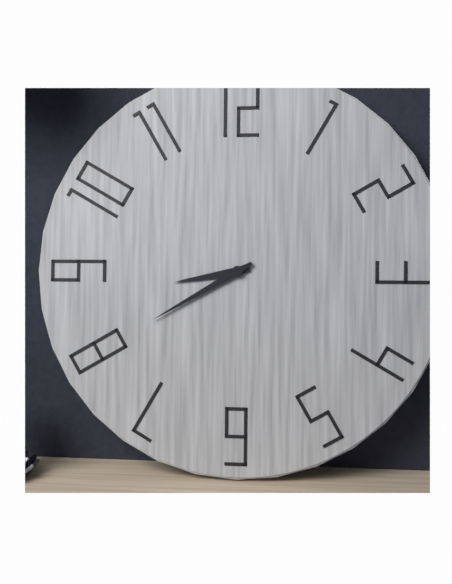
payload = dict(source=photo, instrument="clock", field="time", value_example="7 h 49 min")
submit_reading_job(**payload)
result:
8 h 40 min
